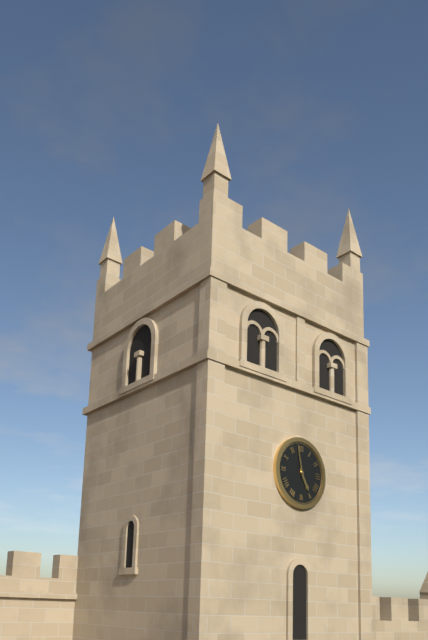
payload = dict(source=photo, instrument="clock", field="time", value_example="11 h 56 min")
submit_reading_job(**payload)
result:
4 h 58 min
